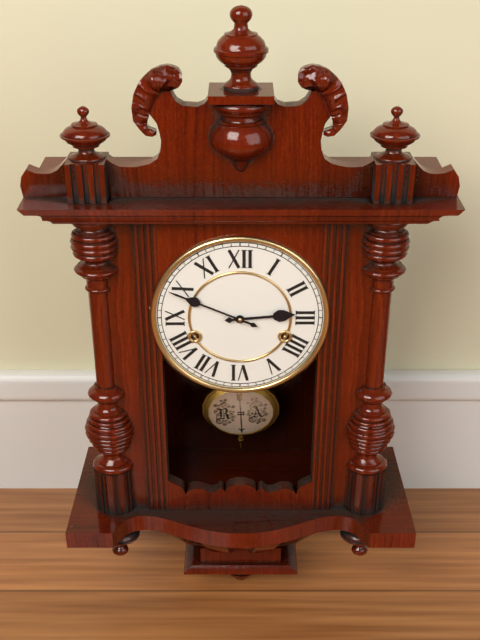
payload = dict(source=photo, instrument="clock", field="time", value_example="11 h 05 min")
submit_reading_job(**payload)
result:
2 h 49 min
